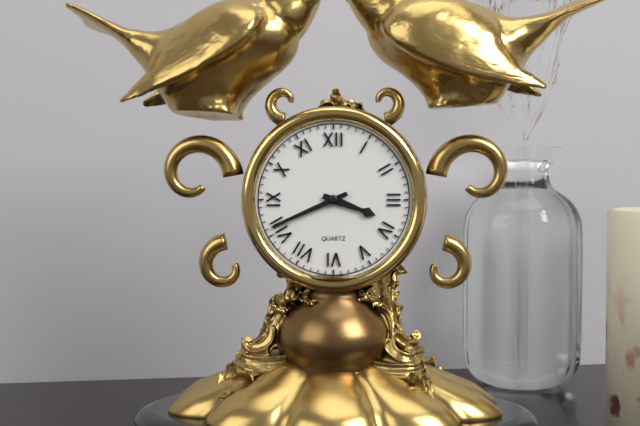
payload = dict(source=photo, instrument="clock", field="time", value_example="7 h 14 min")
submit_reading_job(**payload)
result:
3 h 41 min
